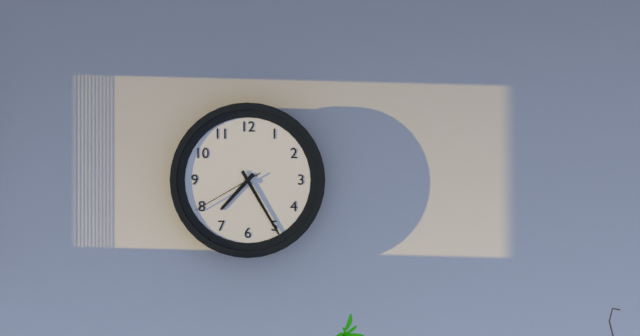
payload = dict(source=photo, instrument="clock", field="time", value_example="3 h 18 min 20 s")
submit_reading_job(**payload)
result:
7 h 25 min 40 s
